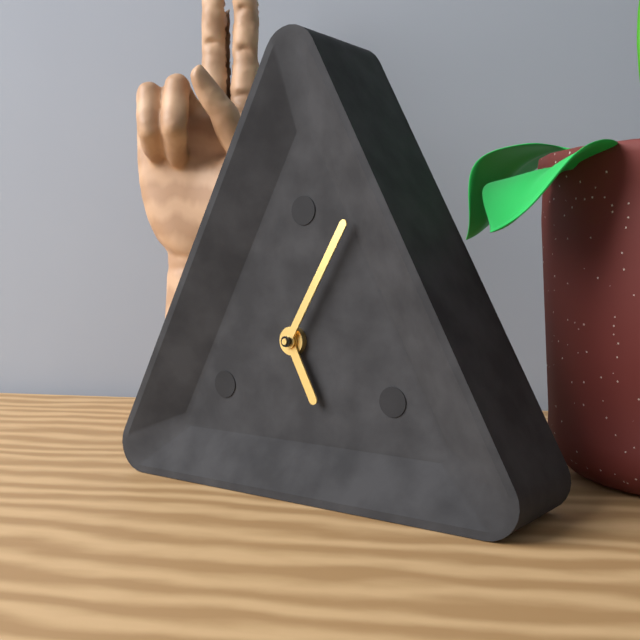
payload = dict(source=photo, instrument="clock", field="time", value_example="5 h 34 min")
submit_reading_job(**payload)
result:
5 h 05 min
